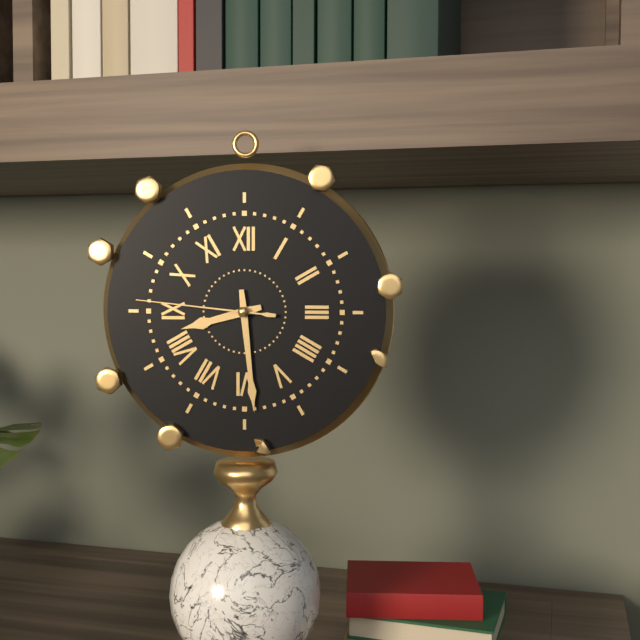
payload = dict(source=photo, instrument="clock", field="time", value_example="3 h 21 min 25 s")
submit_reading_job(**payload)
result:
8 h 29 min 46 s
